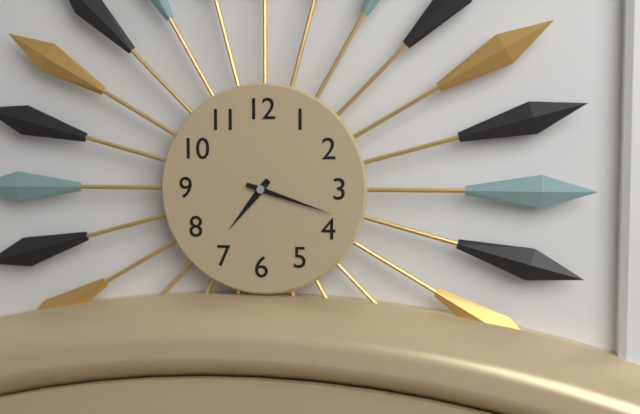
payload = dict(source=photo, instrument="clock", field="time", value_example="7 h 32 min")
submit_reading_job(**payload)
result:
7 h 18 min
